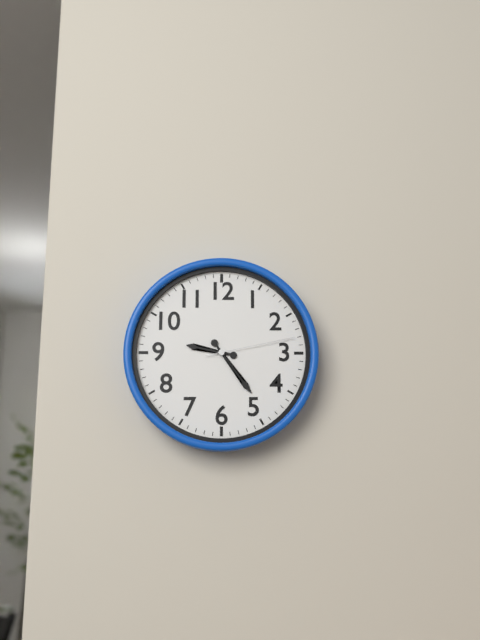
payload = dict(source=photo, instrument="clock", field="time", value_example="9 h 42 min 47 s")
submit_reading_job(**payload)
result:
9 h 24 min 13 s
